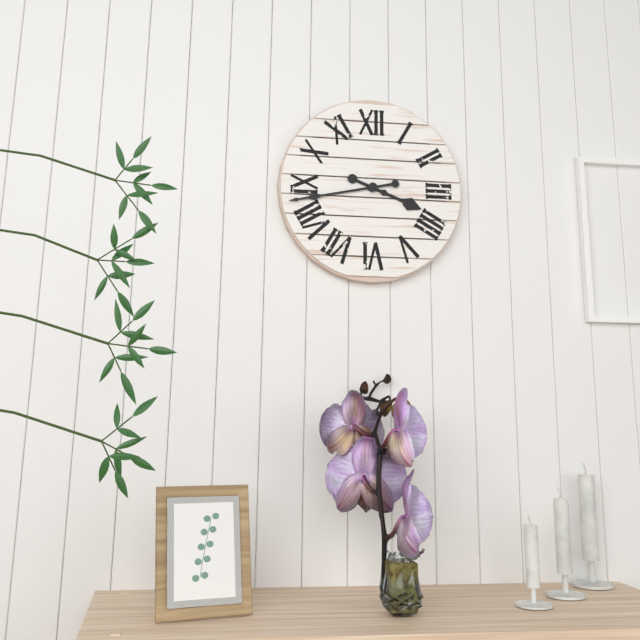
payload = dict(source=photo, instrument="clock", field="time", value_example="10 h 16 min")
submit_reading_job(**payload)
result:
3 h 43 min
